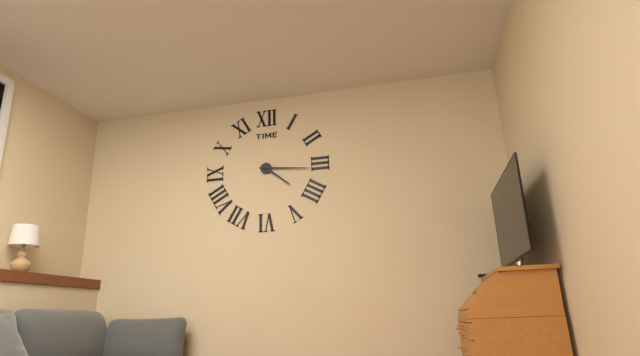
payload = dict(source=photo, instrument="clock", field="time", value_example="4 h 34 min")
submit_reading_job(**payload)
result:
4 h 16 min
